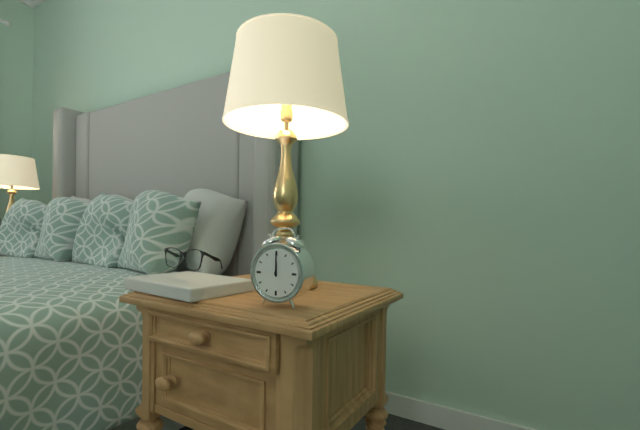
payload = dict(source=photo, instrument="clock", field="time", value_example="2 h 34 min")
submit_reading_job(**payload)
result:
12 h 00 min
